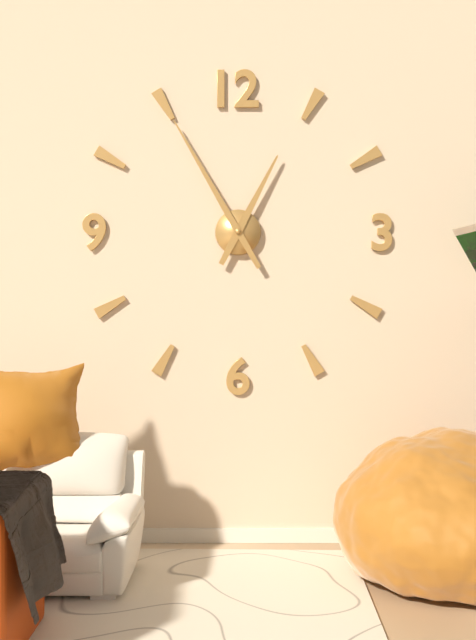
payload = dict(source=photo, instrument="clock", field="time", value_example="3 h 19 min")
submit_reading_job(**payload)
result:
12 h 55 min
